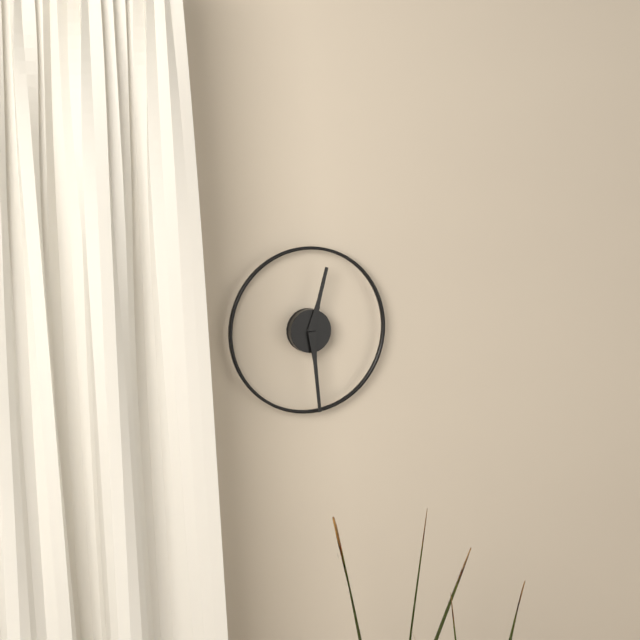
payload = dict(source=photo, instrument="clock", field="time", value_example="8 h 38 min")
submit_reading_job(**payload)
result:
12 h 29 min
